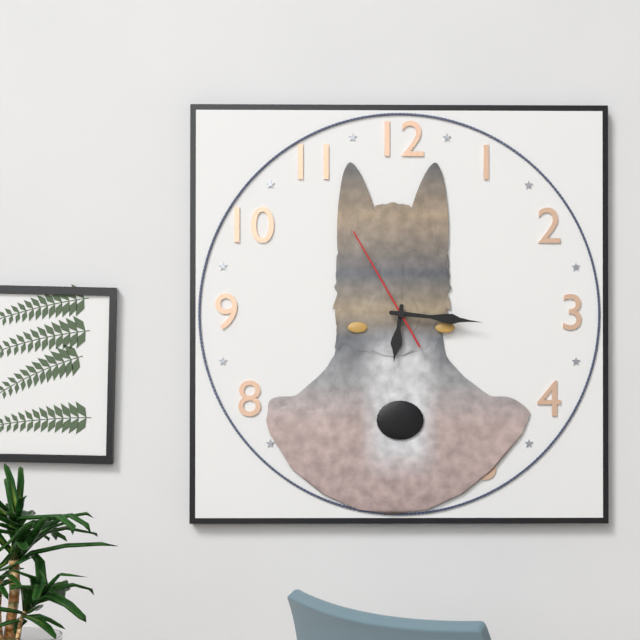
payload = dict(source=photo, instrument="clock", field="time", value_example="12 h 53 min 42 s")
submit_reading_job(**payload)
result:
6 h 16 min 55 s
